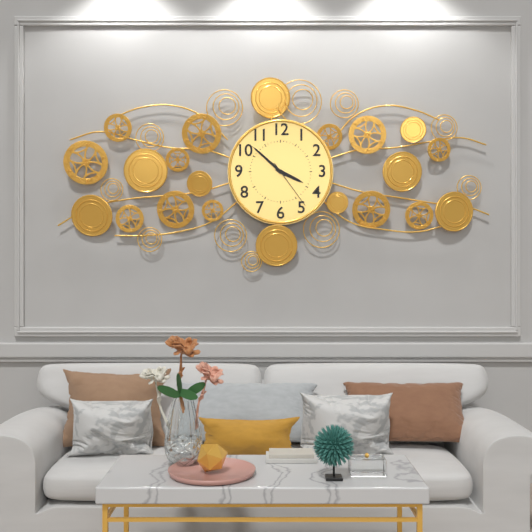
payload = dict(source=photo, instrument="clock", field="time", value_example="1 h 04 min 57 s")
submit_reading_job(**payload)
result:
3 h 52 min 24 s
